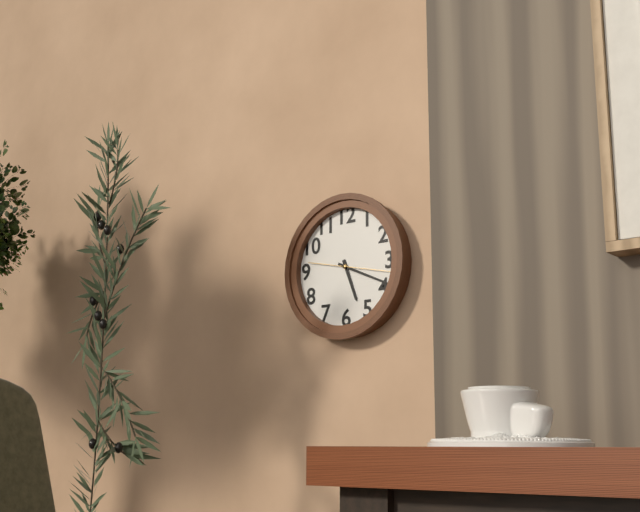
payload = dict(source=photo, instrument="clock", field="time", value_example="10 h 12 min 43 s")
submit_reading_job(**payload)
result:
5 h 19 min 17 s
